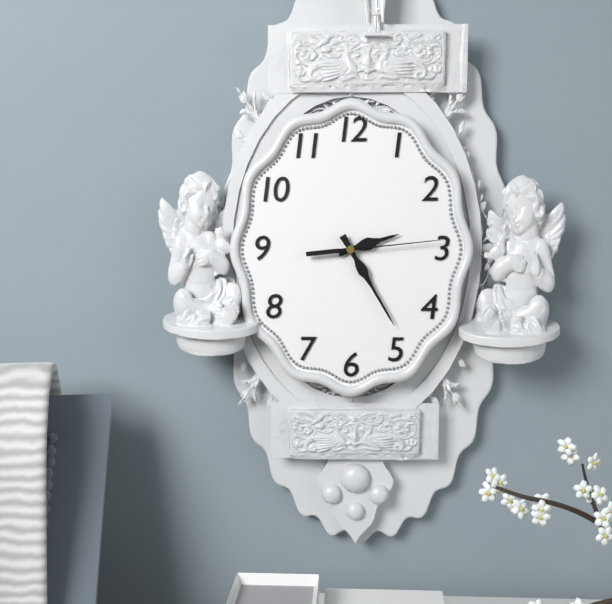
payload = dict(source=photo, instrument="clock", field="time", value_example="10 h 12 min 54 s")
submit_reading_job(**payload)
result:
2 h 25 min 14 s
